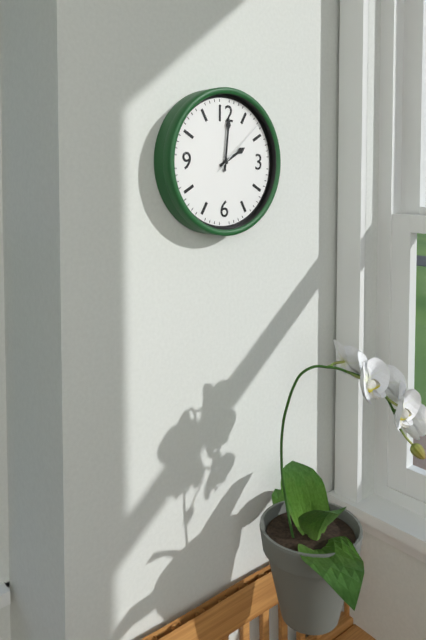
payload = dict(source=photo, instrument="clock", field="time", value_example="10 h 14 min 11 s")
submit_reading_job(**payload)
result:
2 h 01 min 08 s
